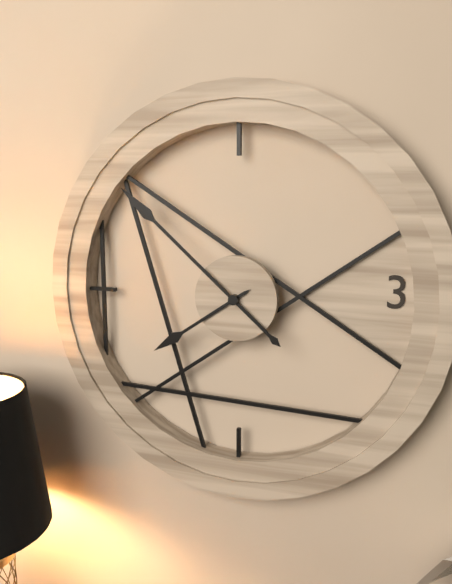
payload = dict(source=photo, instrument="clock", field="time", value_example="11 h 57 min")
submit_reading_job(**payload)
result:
7 h 52 min
